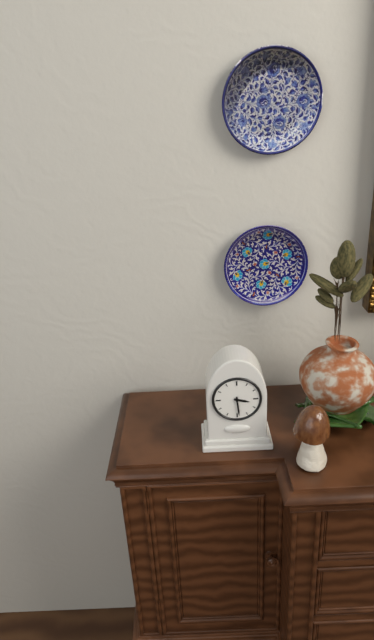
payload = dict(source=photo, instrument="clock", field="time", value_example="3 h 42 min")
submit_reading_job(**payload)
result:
3 h 29 min
